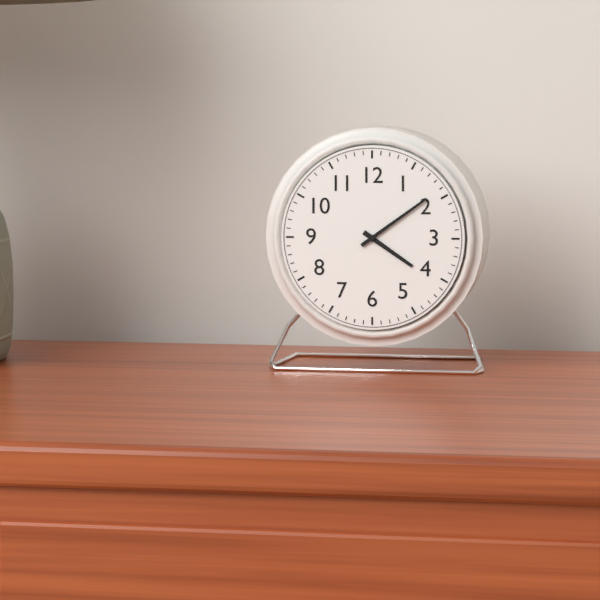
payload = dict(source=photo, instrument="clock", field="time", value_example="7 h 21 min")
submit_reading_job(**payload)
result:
4 h 09 min
